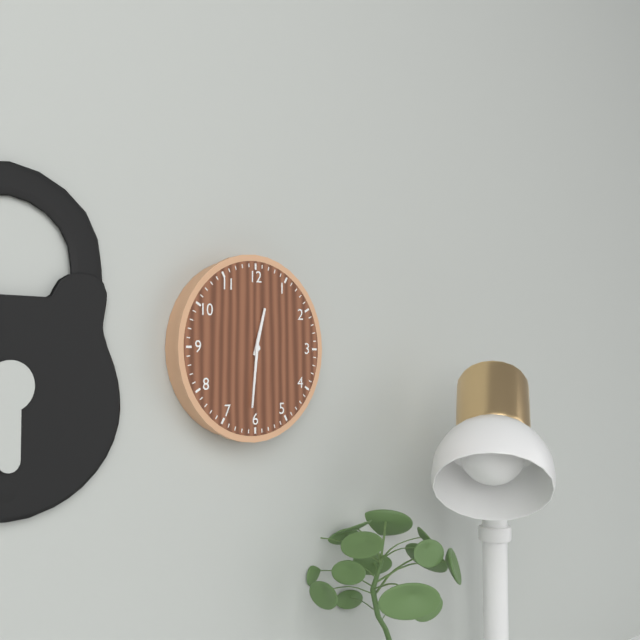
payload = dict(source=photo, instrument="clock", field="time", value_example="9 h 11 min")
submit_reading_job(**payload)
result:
12 h 31 min
